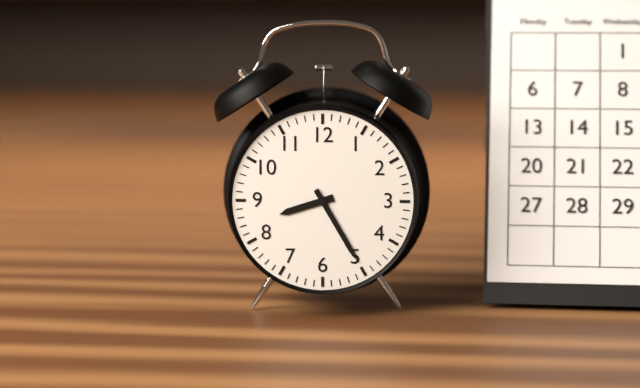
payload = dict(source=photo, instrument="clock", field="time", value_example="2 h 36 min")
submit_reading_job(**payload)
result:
8 h 25 min
